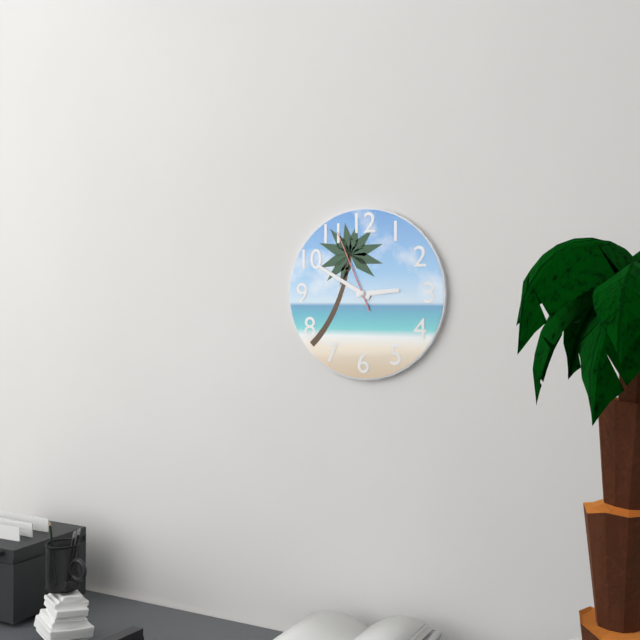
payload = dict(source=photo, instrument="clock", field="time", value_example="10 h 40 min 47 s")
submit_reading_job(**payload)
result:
2 h 50 min 56 s
